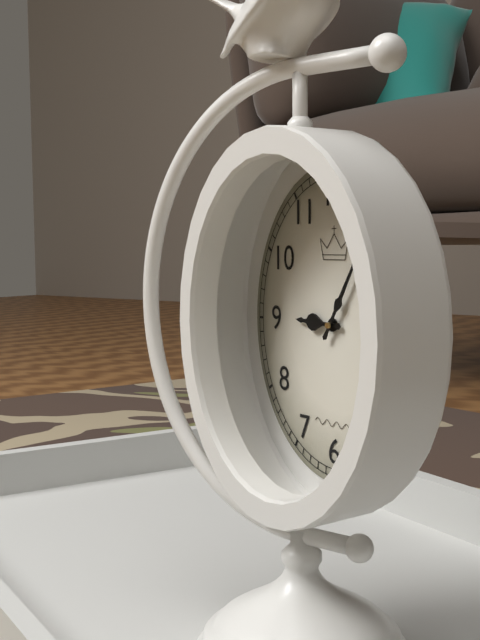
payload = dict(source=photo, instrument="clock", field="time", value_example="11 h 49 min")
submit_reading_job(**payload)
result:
9 h 05 min
